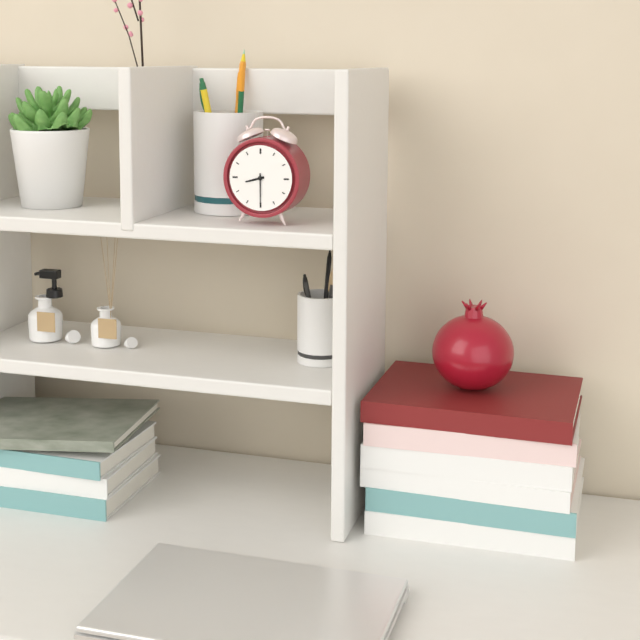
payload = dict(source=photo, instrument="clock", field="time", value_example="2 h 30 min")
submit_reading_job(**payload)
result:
8 h 30 min
